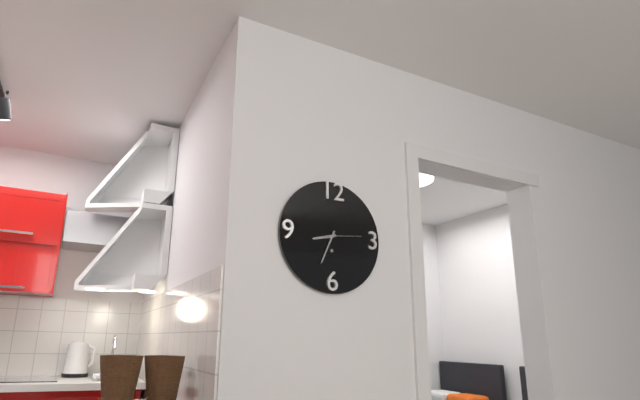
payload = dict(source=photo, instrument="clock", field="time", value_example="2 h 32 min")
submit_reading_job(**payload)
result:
8 h 34 min
